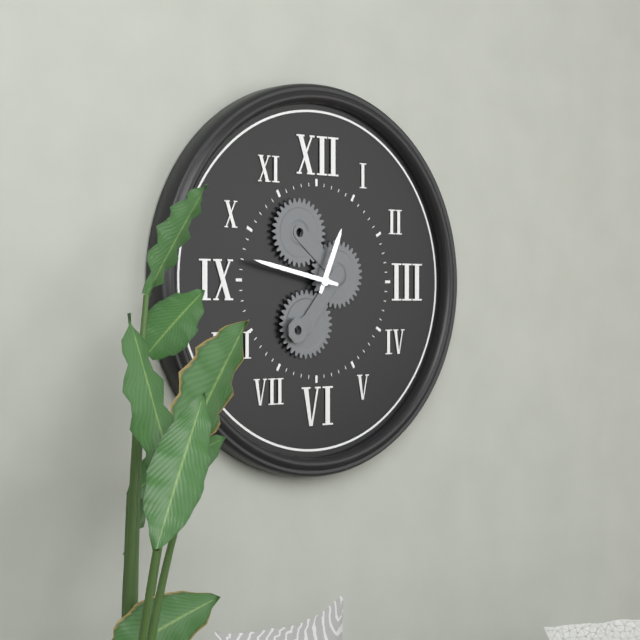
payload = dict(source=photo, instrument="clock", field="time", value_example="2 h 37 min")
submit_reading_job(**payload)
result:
12 h 47 min
